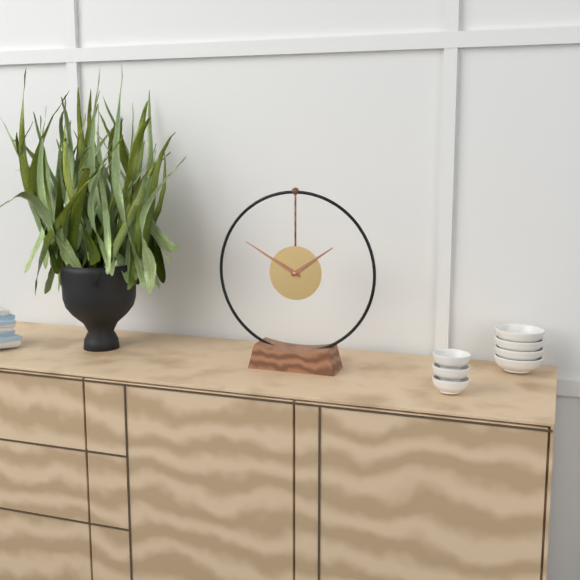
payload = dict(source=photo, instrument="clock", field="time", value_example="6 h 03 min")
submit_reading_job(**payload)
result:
1 h 50 min
